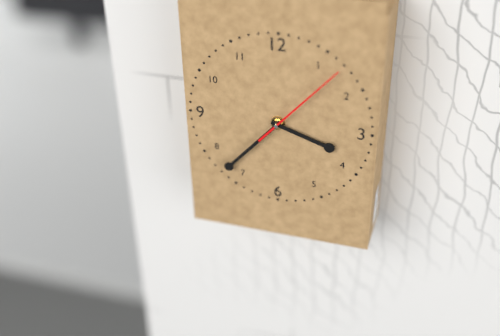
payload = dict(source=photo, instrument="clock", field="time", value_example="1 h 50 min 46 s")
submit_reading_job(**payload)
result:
3 h 37 min 07 s
